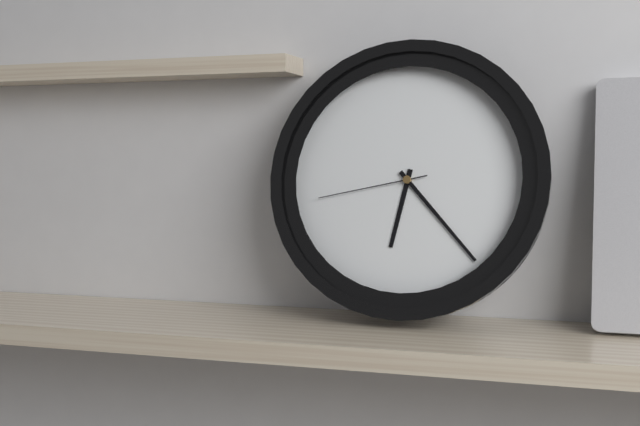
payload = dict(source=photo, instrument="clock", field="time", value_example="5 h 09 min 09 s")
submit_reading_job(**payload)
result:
6 h 23 min 43 s
